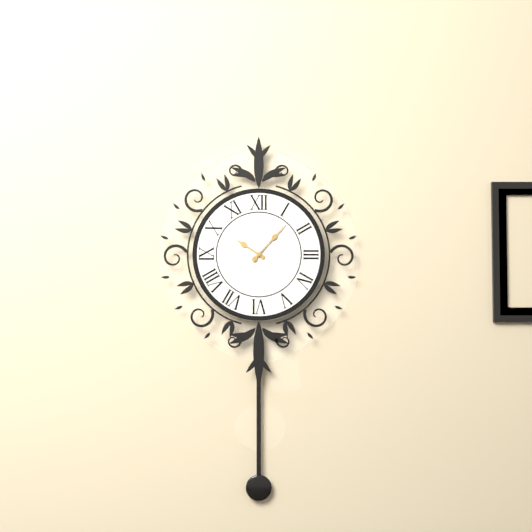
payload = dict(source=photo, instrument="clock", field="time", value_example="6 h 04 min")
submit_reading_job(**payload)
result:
10 h 07 min
